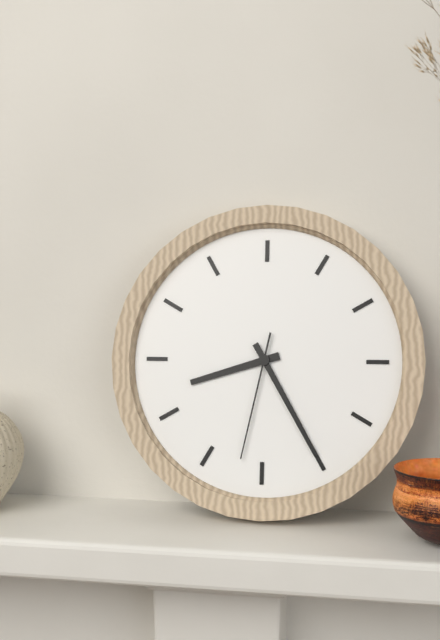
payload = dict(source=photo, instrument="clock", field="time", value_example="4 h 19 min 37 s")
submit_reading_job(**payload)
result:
8 h 25 min 32 s
